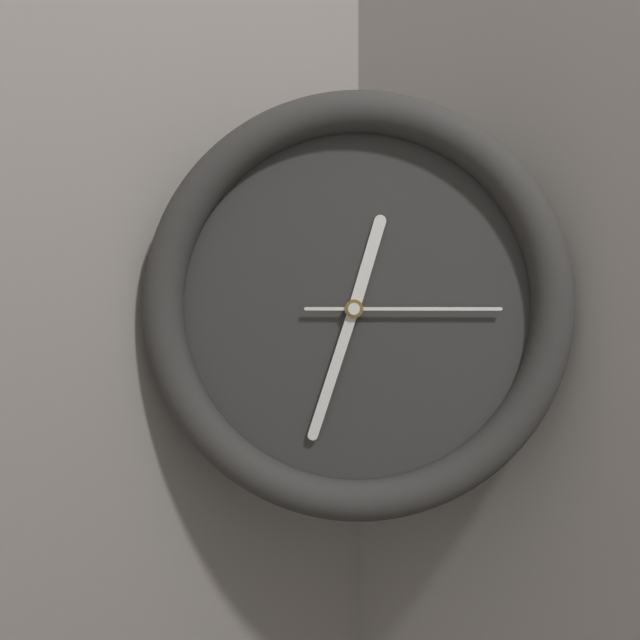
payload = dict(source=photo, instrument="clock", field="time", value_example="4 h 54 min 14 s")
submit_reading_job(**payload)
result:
12 h 33 min 15 s
